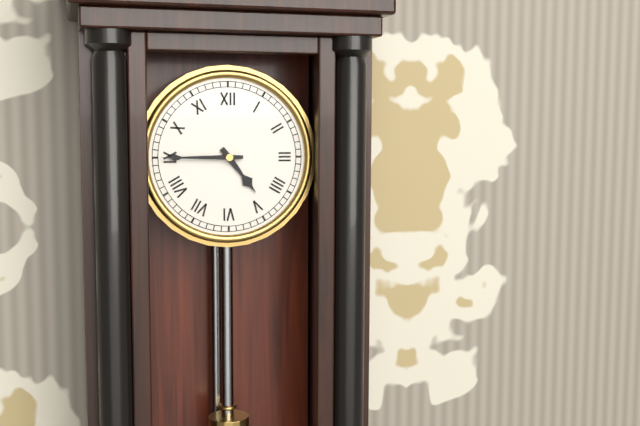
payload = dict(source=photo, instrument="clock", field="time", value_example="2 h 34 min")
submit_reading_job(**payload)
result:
4 h 45 min
